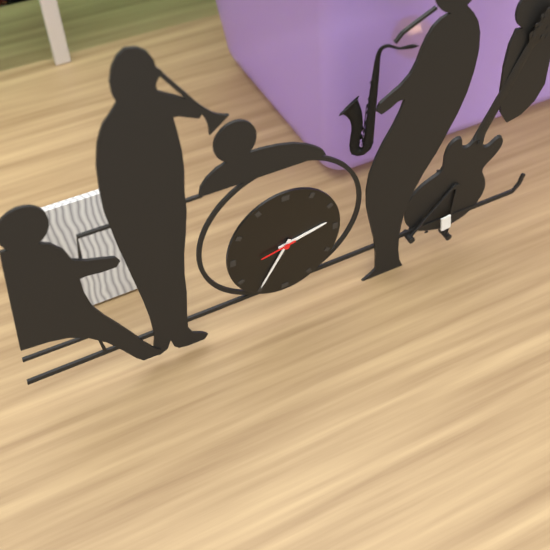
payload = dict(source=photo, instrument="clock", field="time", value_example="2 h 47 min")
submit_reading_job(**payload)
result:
2 h 35 min
